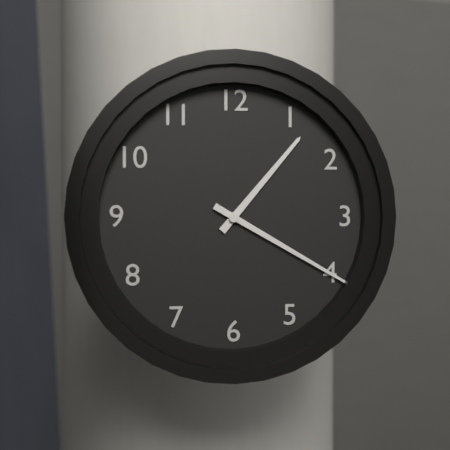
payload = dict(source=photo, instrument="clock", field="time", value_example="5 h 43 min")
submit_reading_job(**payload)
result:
1 h 20 min
